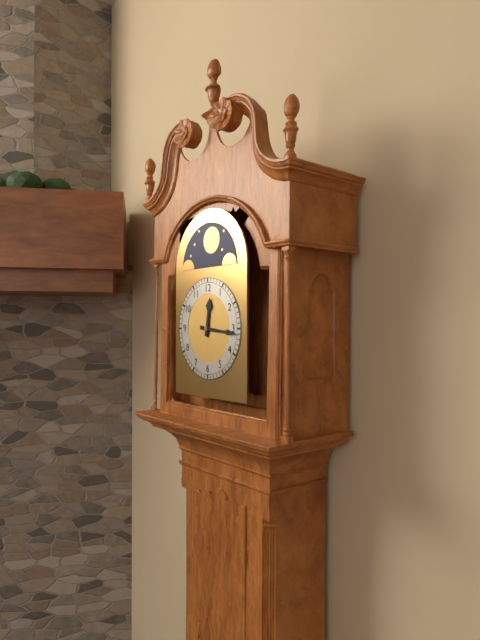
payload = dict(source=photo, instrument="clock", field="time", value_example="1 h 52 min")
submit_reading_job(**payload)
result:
12 h 16 min
